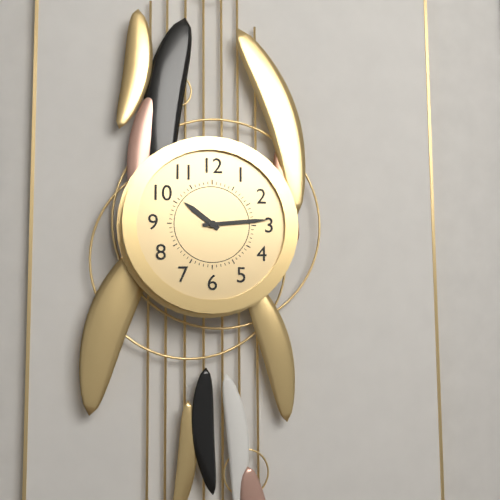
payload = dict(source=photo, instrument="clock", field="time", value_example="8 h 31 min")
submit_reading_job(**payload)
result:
10 h 14 min
